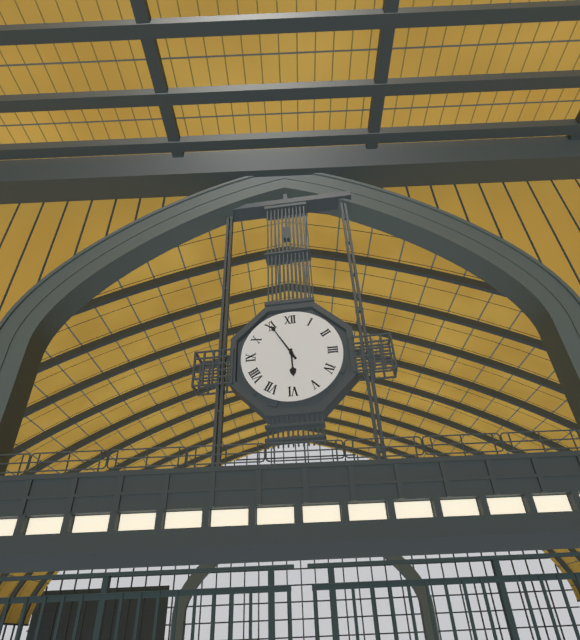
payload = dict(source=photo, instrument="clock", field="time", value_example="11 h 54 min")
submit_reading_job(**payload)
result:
5 h 55 min
